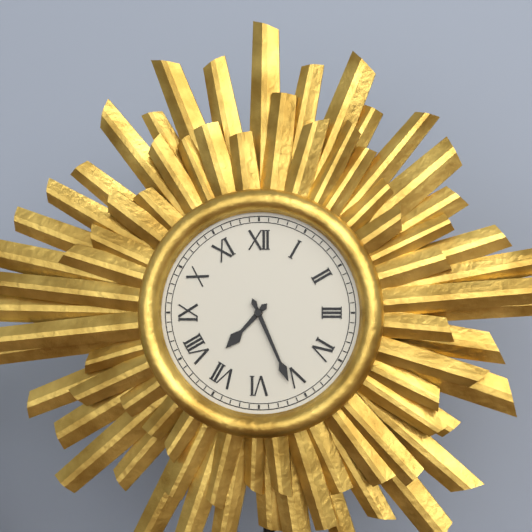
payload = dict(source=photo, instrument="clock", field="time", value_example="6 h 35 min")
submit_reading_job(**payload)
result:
7 h 26 min
